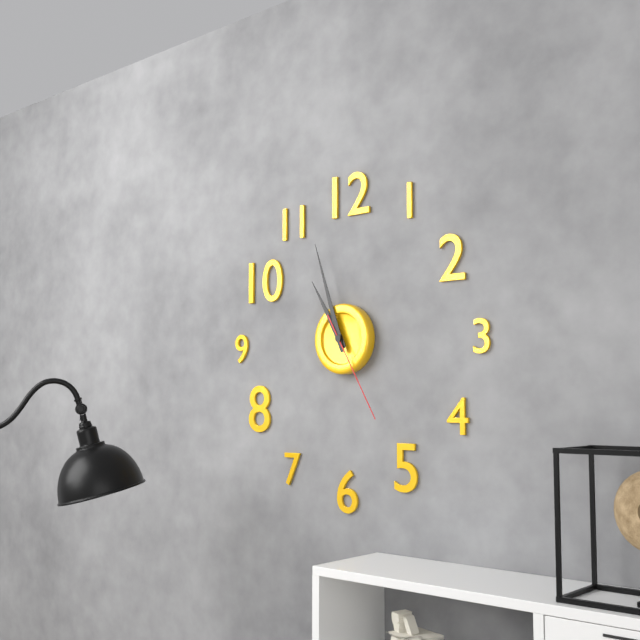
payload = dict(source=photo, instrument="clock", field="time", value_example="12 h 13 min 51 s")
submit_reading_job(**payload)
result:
10 h 57 min 25 s
